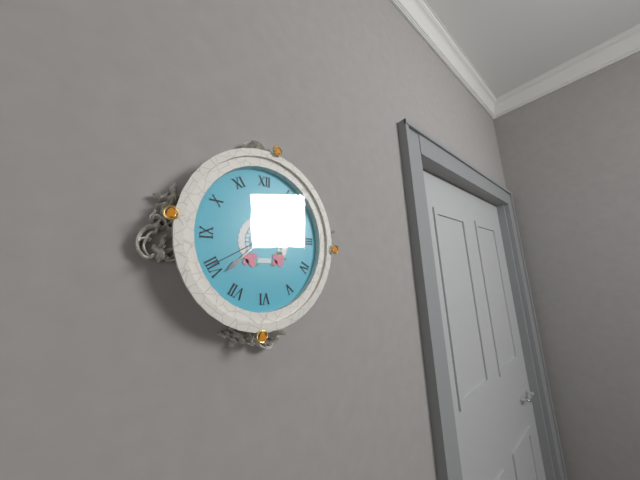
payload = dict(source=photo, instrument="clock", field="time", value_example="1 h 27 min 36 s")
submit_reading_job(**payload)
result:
11 h 38 min 40 s
